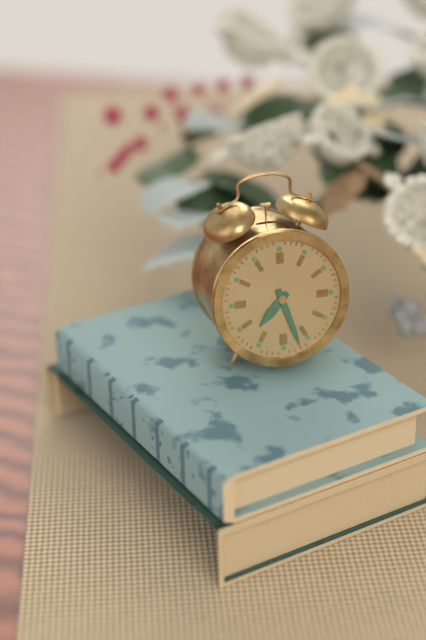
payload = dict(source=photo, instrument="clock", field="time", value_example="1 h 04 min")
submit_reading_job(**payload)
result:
7 h 27 min
